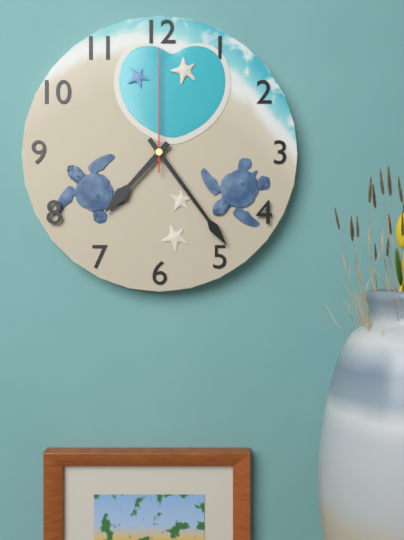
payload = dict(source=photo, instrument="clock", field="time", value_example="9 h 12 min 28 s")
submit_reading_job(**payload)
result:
7 h 24 min 00 s
